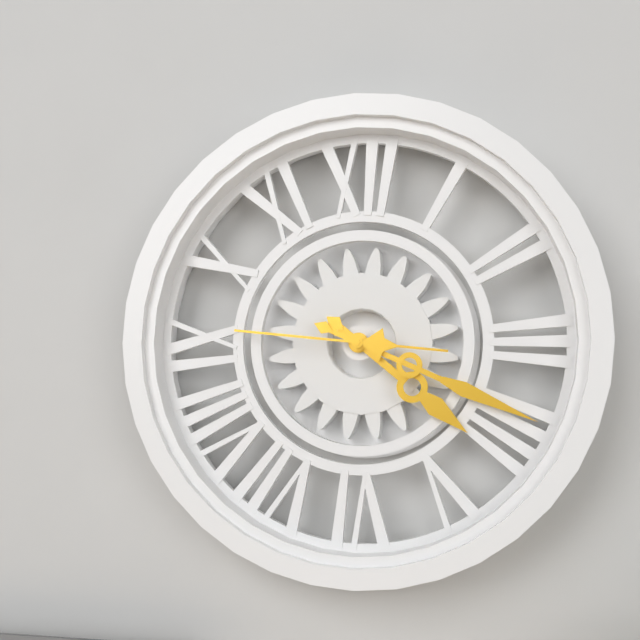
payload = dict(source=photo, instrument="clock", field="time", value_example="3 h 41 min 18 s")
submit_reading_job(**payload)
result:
4 h 19 min 46 s
